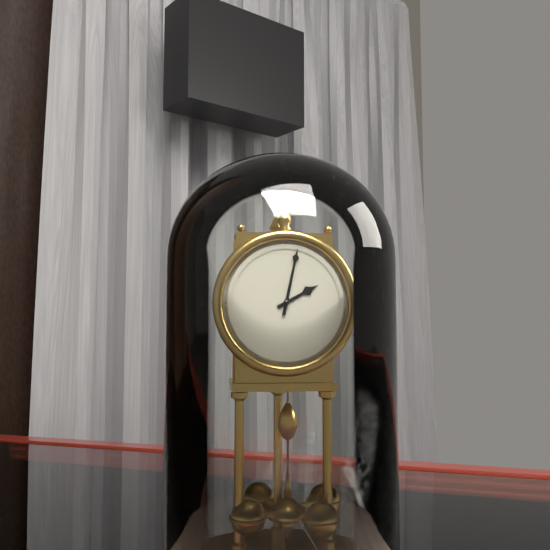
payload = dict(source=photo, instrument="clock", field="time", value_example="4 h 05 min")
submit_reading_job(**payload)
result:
2 h 02 min
